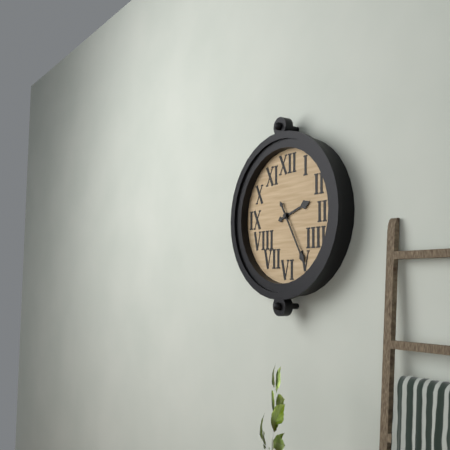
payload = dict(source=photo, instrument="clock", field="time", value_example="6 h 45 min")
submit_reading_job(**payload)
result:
2 h 25 min
